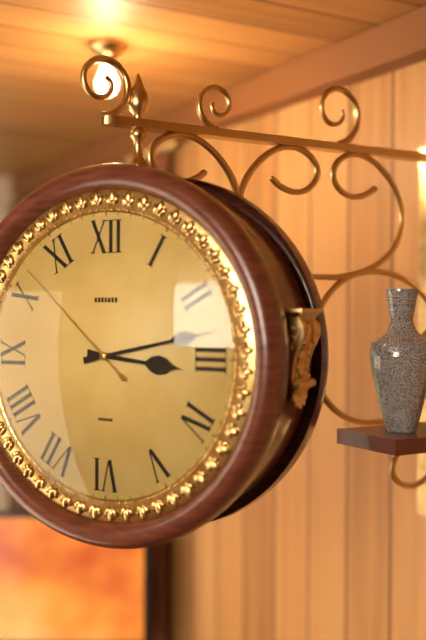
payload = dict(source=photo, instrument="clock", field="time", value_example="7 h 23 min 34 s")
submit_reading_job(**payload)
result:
3 h 13 min 52 s
